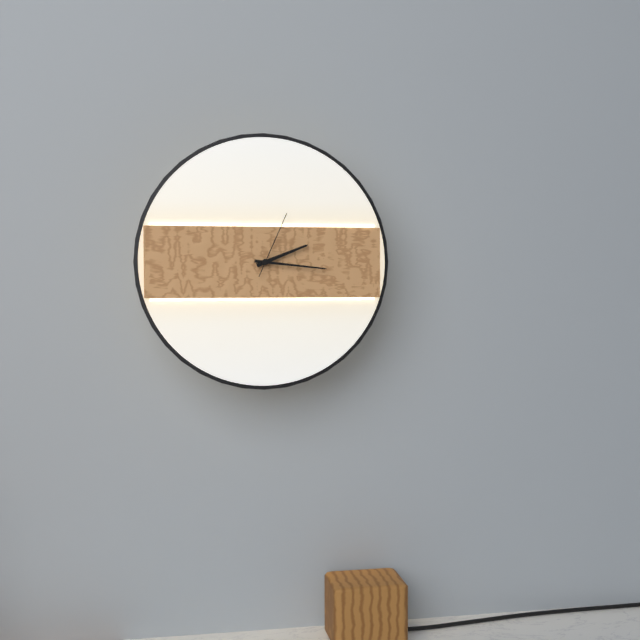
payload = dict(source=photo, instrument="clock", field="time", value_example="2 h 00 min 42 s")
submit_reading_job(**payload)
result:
2 h 16 min 04 s
